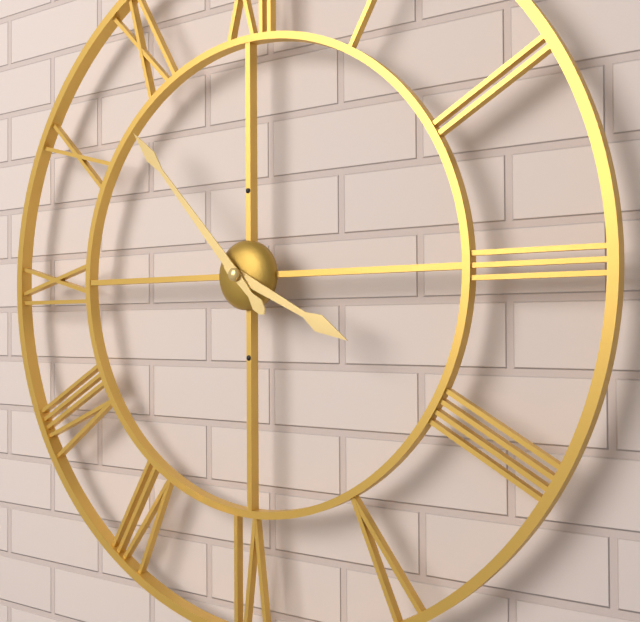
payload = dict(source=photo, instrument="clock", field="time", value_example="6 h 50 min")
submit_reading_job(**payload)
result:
3 h 53 min
